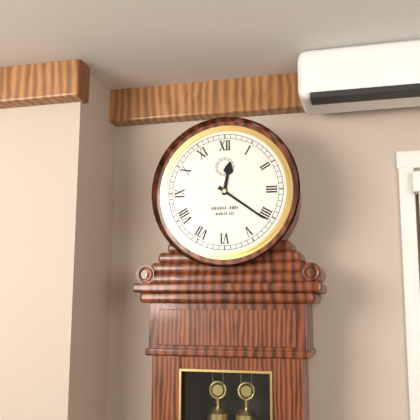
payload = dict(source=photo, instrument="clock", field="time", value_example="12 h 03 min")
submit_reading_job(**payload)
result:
12 h 21 min
